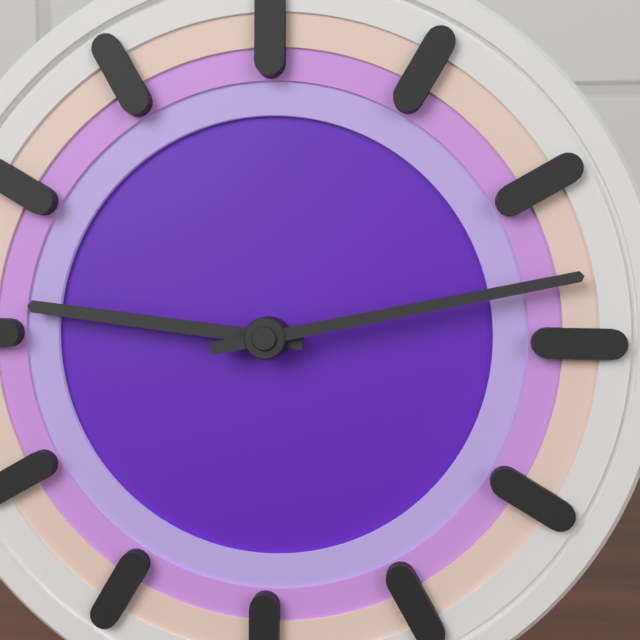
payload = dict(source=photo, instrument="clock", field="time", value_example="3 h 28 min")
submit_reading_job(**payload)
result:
9 h 13 min
